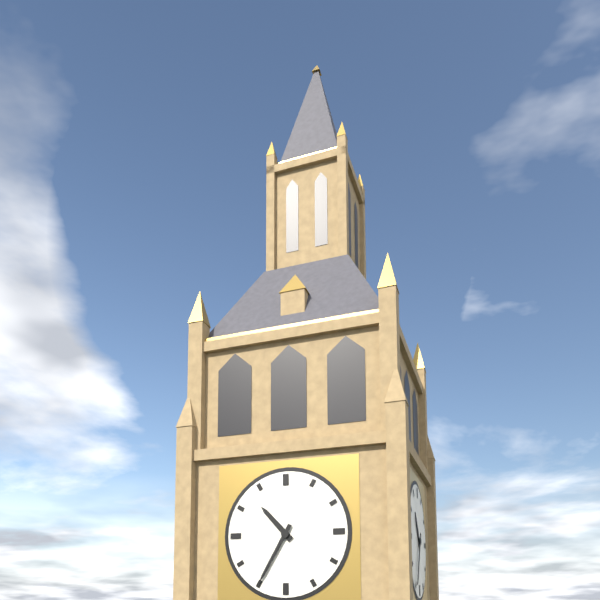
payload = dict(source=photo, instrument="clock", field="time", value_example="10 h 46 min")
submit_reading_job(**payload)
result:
10 h 35 min
